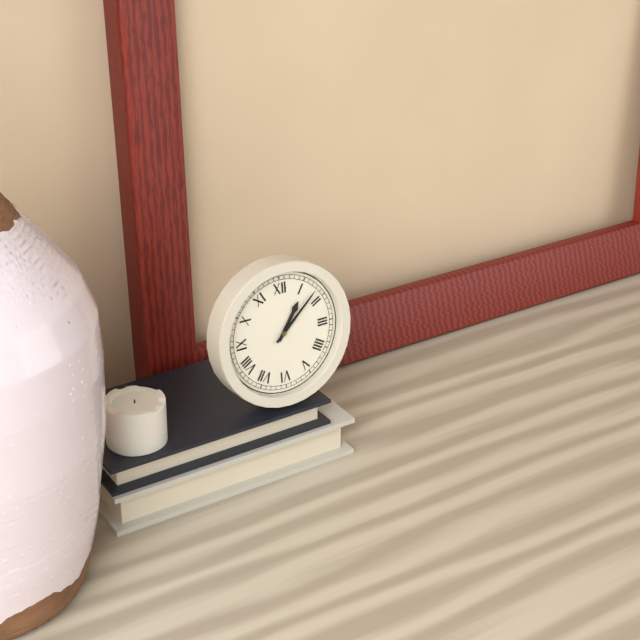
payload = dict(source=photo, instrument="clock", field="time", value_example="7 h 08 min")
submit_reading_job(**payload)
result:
1 h 08 min
